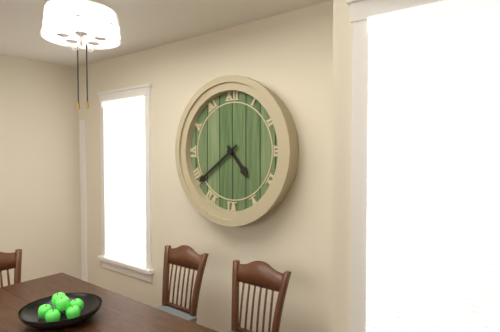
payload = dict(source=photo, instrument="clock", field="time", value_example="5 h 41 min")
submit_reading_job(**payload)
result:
4 h 39 min
